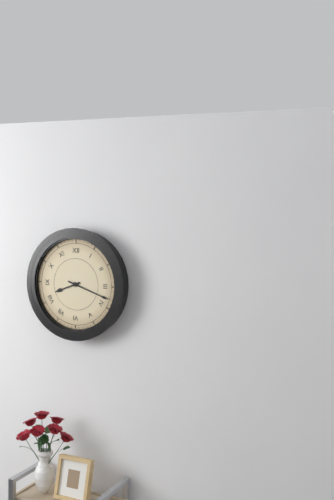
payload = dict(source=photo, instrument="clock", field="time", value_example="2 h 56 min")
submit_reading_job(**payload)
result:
8 h 18 min
